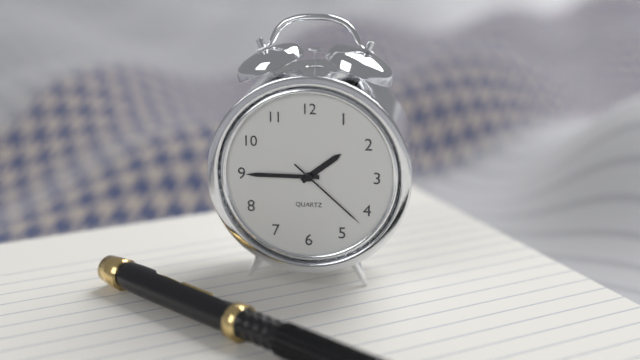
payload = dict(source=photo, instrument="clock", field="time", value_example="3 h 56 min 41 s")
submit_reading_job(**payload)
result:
1 h 45 min 22 s
